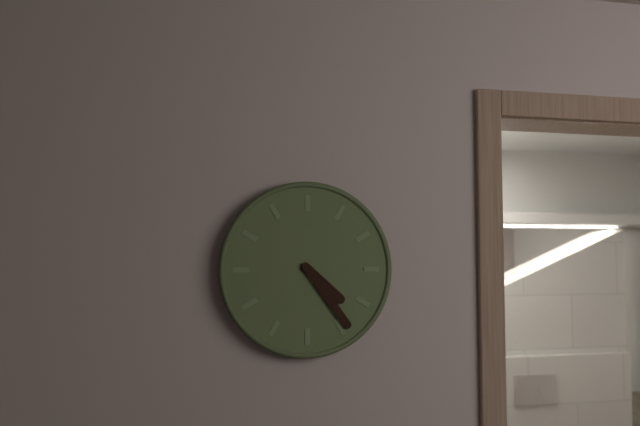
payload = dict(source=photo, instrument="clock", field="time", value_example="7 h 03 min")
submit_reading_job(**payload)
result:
4 h 24 min
